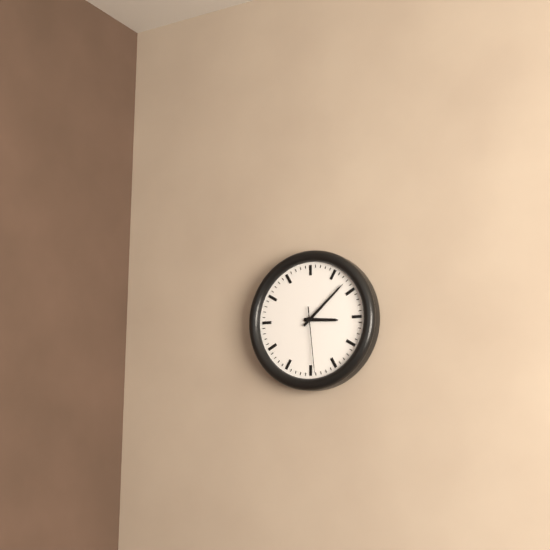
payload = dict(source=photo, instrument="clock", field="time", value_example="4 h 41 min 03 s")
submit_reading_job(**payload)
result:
3 h 08 min 29 s
